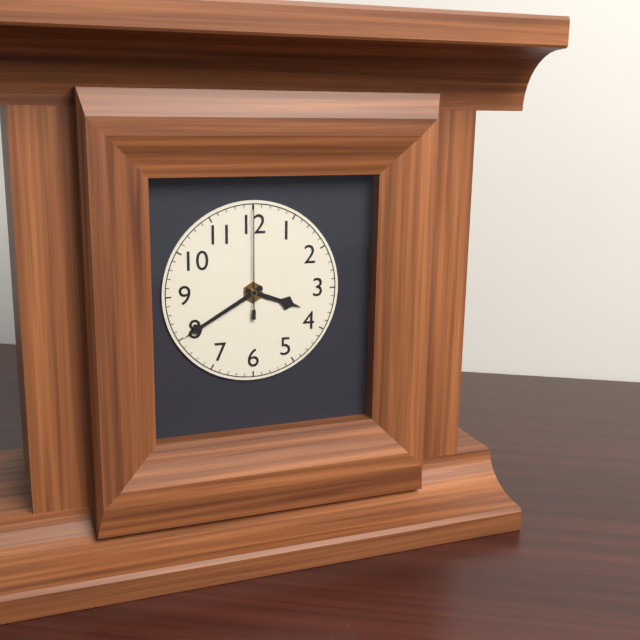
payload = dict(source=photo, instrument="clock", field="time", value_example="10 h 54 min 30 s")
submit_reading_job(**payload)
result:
3 h 40 min 00 s
